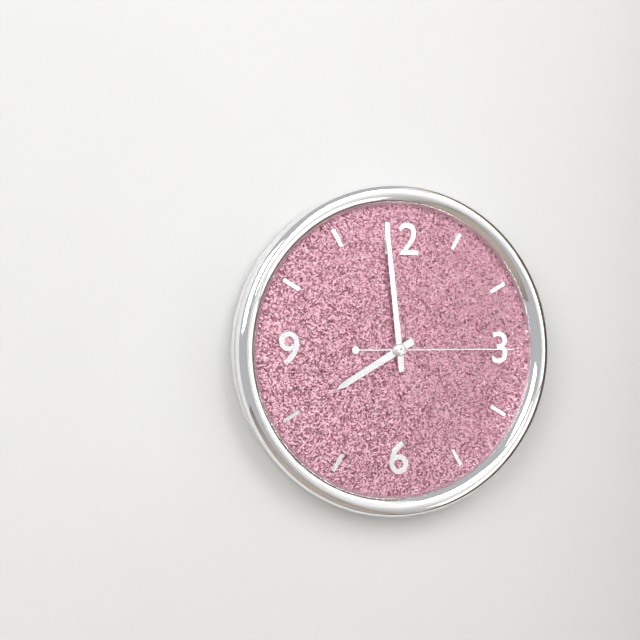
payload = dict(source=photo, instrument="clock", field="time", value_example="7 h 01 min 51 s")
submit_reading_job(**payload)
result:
7 h 59 min 15 s
